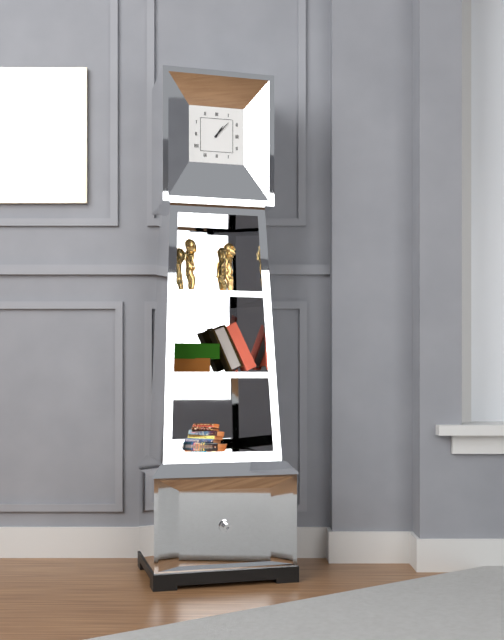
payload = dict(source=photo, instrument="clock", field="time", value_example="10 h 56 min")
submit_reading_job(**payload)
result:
1 h 07 min
